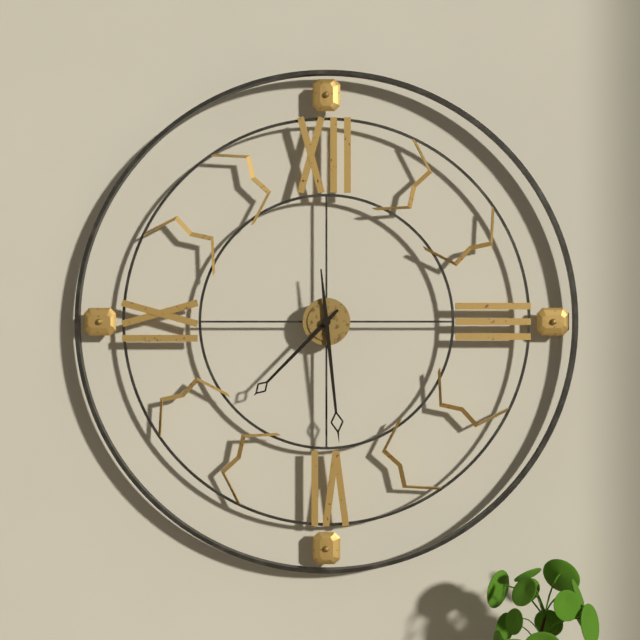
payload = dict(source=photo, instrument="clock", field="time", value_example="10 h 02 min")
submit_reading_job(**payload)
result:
7 h 29 min
